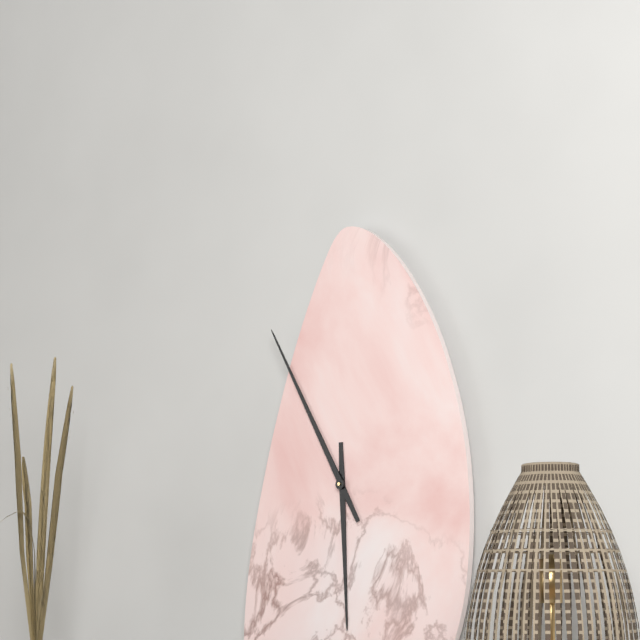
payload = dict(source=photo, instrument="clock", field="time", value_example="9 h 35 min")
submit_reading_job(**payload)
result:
5 h 55 min
